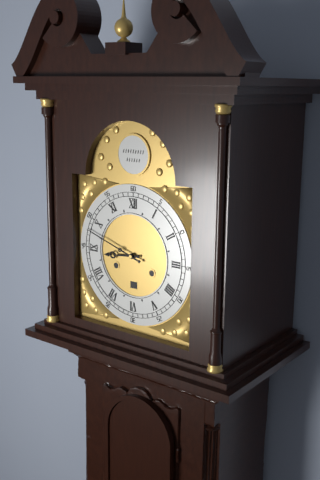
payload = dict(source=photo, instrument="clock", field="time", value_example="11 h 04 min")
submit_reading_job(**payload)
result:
8 h 48 min
